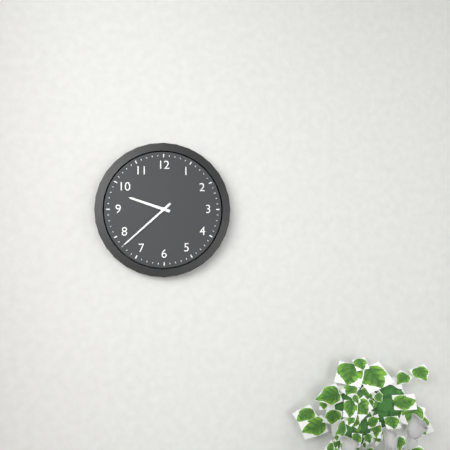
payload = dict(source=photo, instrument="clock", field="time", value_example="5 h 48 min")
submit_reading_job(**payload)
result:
9 h 38 min
